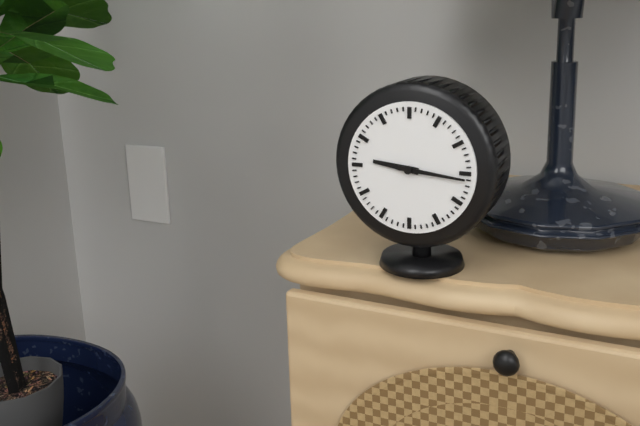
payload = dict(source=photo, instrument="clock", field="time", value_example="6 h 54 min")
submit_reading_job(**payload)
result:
9 h 16 min
